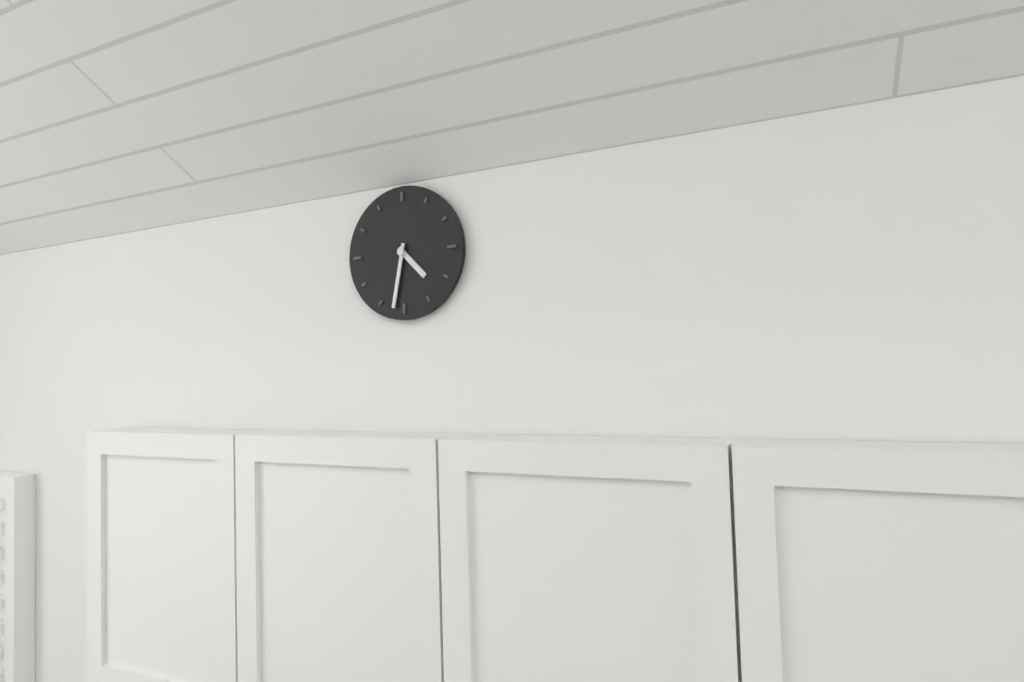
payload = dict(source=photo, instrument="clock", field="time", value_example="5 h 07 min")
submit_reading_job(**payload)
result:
4 h 32 min
